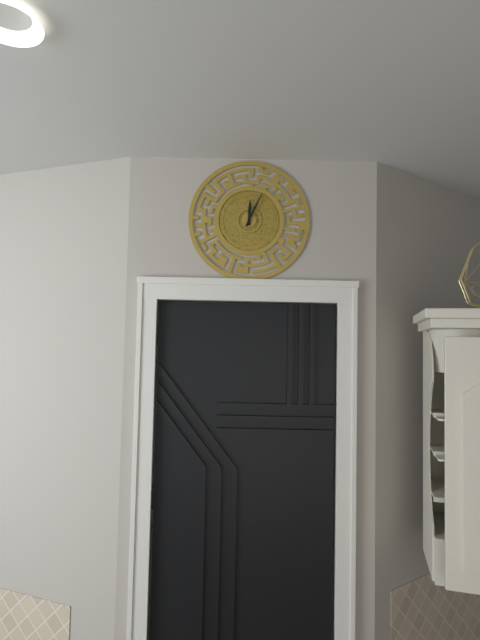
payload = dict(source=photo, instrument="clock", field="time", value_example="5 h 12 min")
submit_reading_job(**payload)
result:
12 h 04 min
